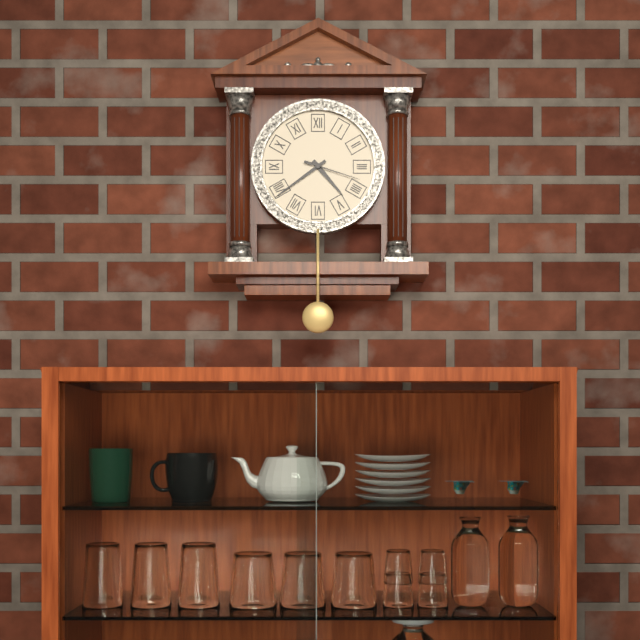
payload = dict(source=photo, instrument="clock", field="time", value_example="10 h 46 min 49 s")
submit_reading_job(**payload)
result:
4 h 39 min 18 s
